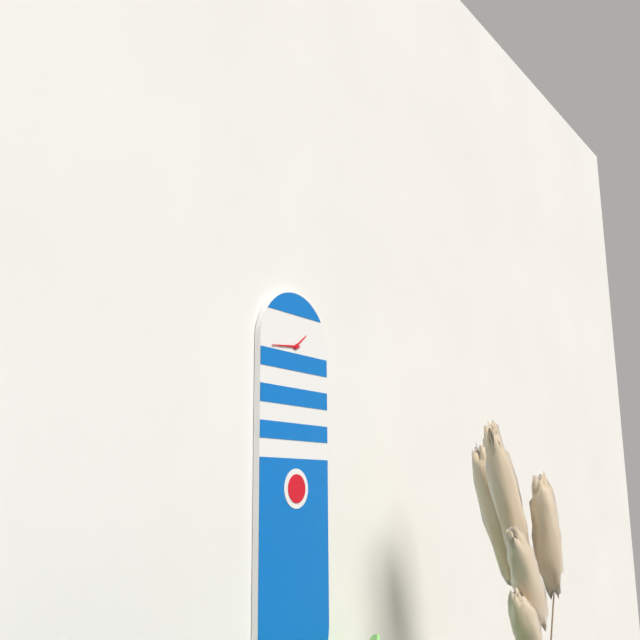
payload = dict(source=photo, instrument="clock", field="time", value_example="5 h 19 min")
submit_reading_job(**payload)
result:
1 h 44 min
